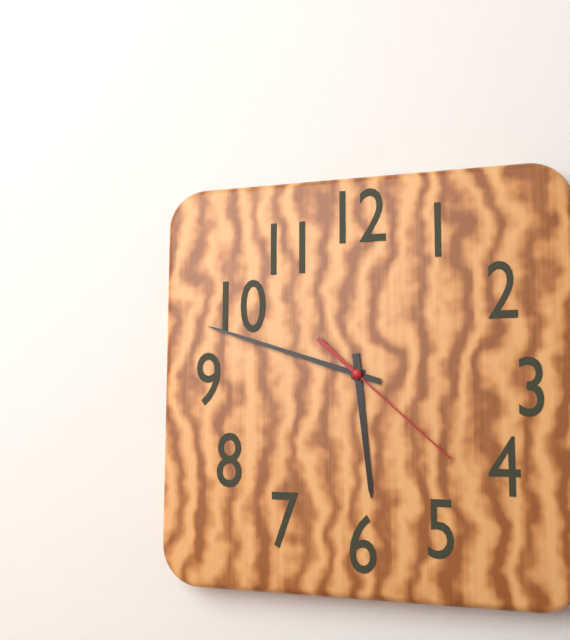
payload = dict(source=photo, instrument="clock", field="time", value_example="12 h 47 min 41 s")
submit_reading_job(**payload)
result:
5 h 48 min 22 s
